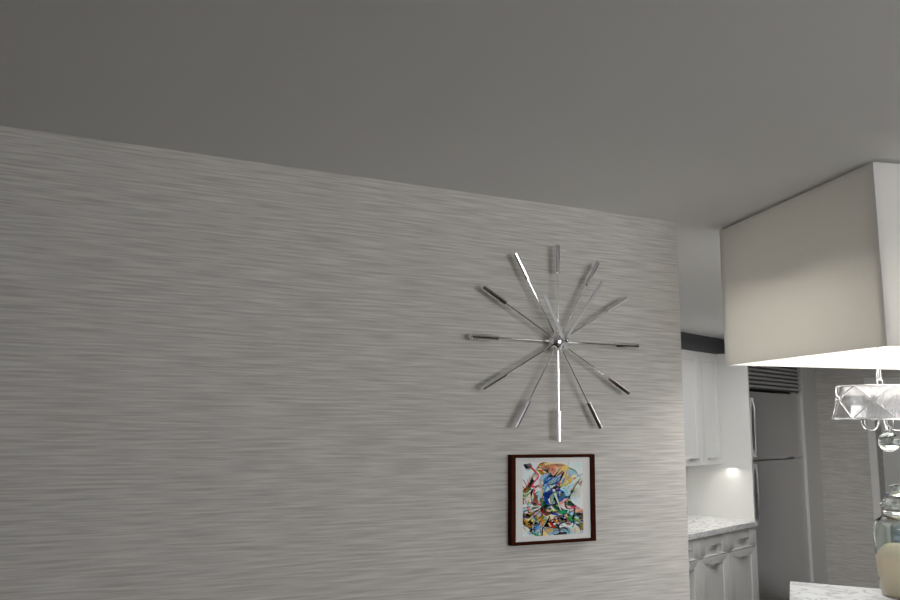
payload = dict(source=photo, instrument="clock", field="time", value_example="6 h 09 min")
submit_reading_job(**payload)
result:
11 h 06 min
